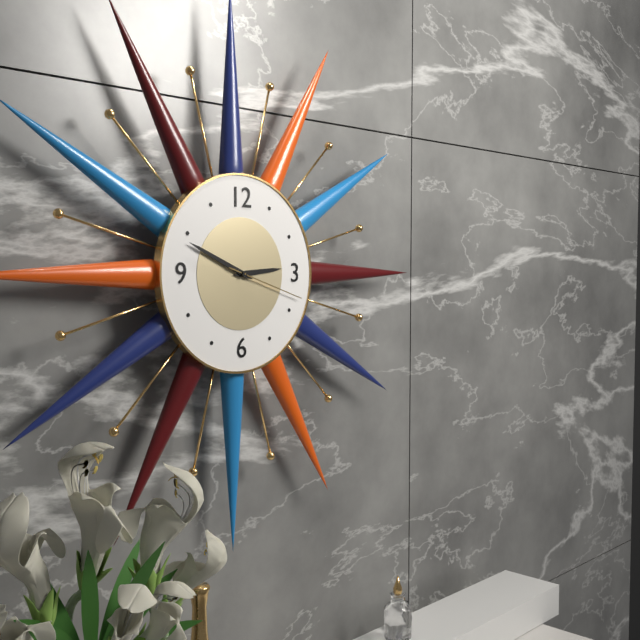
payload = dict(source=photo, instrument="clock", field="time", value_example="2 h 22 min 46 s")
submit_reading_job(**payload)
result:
2 h 49 min 18 s
